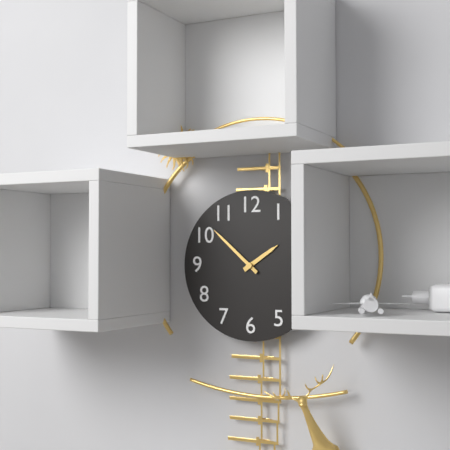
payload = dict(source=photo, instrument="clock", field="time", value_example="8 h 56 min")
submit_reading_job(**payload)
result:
1 h 52 min
